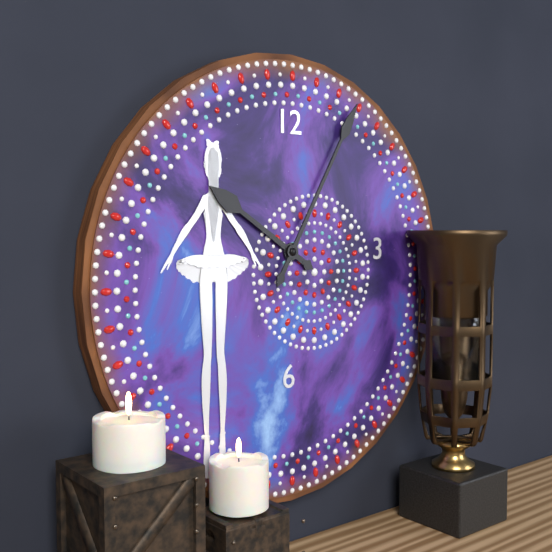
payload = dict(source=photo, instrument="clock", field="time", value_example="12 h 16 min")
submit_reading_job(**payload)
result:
10 h 05 min
